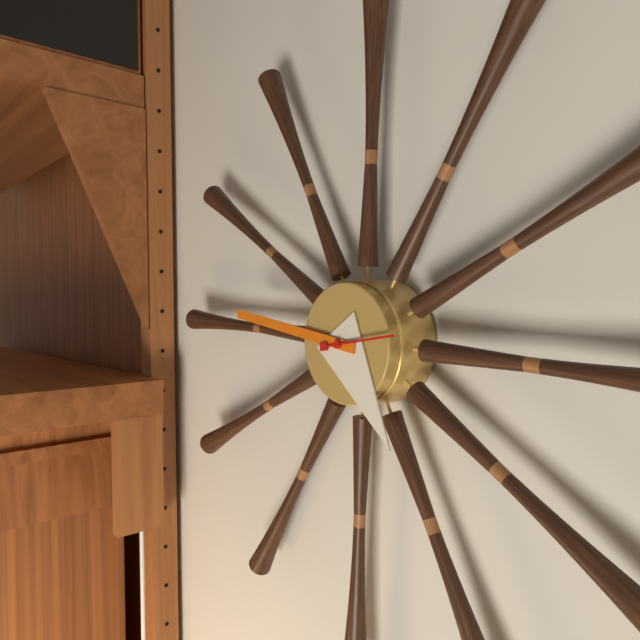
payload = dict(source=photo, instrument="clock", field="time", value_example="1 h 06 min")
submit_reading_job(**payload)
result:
4 h 46 min
